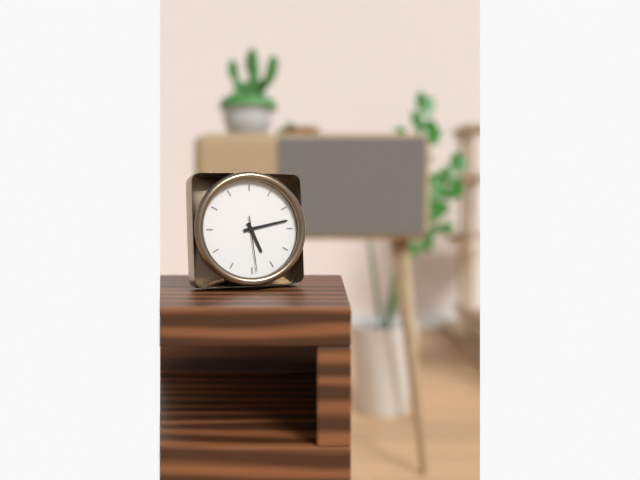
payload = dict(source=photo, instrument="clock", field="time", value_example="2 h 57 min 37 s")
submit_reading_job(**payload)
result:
5 h 13 min 29 s
